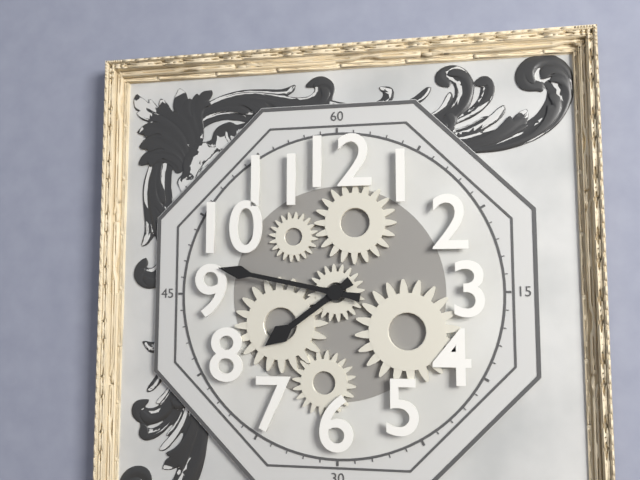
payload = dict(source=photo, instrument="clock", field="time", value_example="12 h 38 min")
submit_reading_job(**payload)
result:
7 h 47 min
